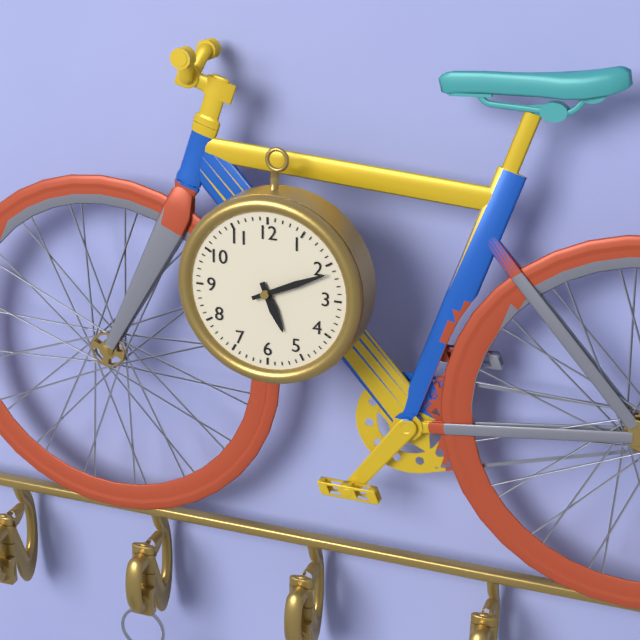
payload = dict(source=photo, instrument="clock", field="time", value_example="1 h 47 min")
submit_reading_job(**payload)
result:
5 h 11 min
